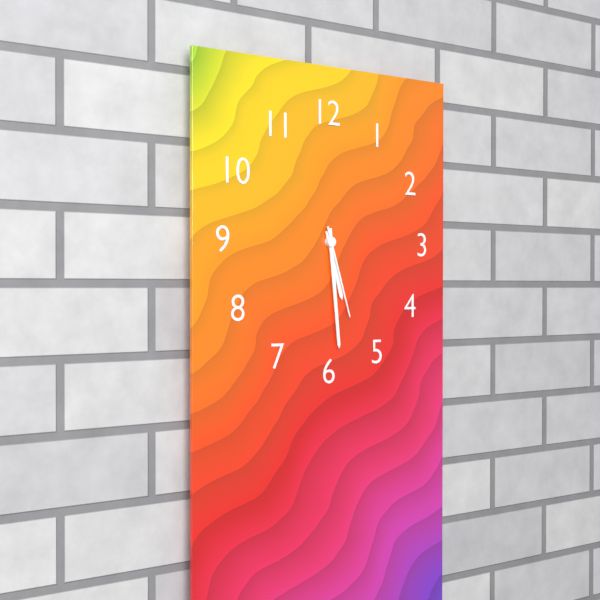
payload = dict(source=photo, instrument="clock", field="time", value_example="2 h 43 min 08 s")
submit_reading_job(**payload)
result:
5 h 29 min 27 s
